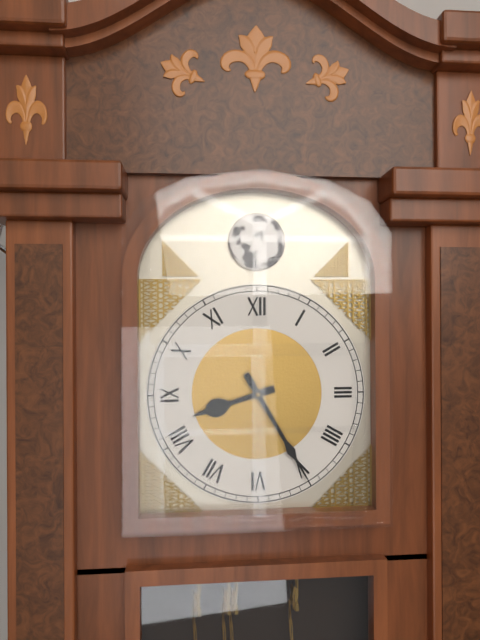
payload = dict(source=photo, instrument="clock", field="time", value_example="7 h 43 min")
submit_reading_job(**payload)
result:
8 h 25 min
